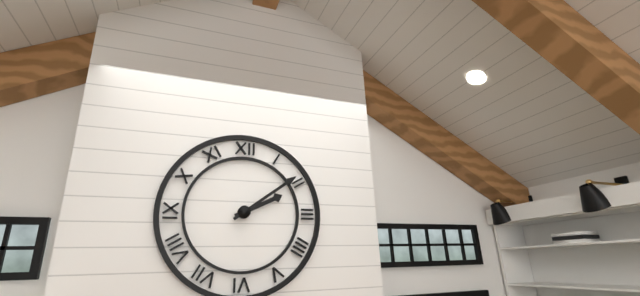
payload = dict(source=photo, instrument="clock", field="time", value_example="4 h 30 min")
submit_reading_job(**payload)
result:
2 h 09 min
